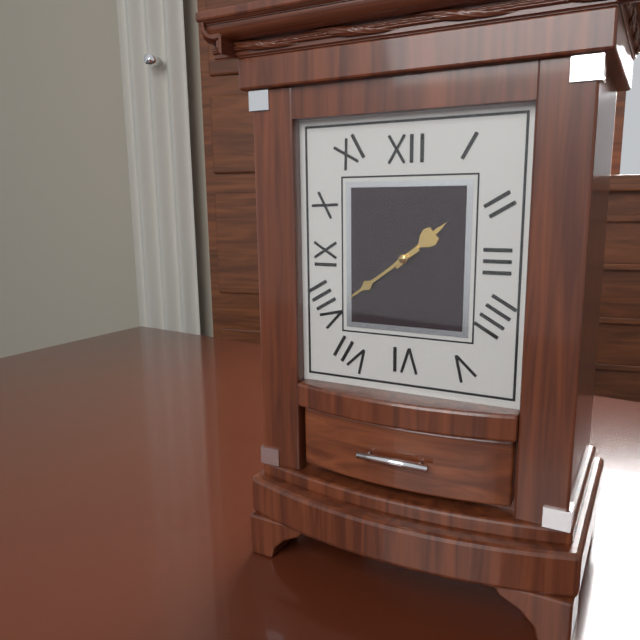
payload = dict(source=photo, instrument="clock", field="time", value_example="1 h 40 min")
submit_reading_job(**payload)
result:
1 h 39 min
